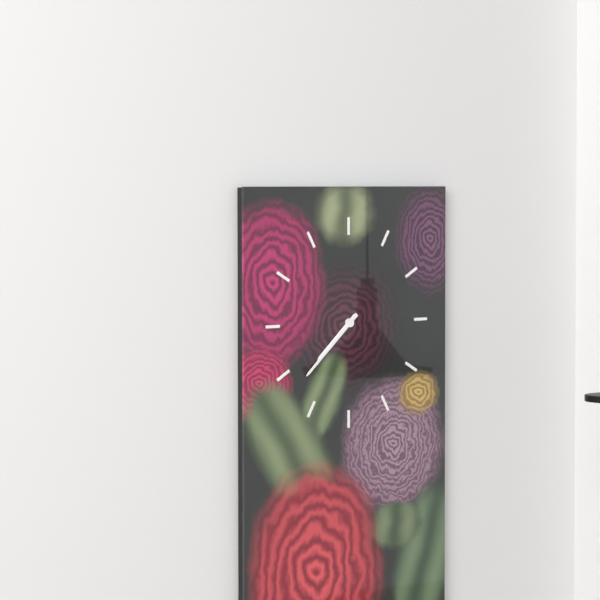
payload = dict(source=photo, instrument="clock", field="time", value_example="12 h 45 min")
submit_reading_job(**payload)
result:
7 h 38 min
